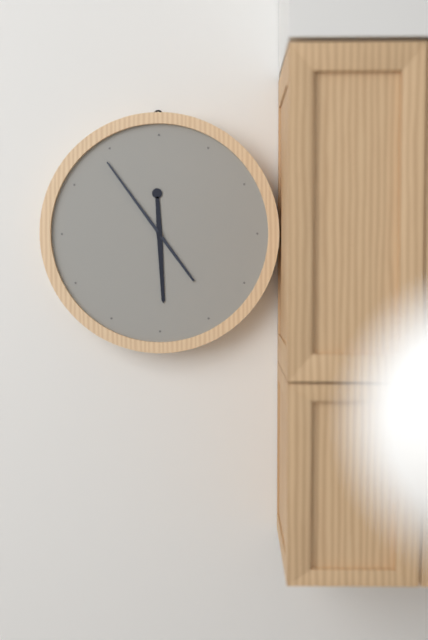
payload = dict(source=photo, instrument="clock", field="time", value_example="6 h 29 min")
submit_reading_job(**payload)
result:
5 h 54 min
